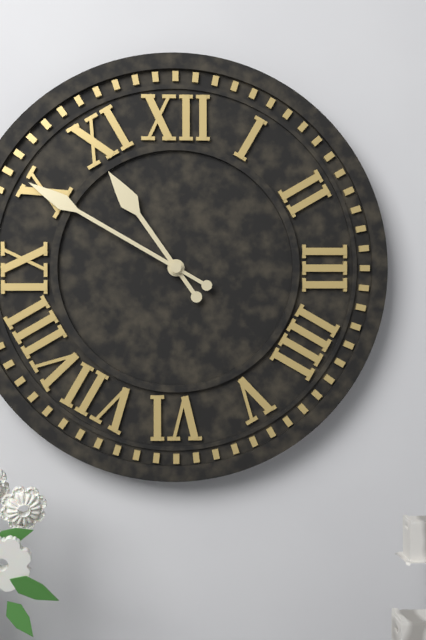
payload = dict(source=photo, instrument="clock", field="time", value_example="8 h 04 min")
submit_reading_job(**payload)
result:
10 h 50 min
